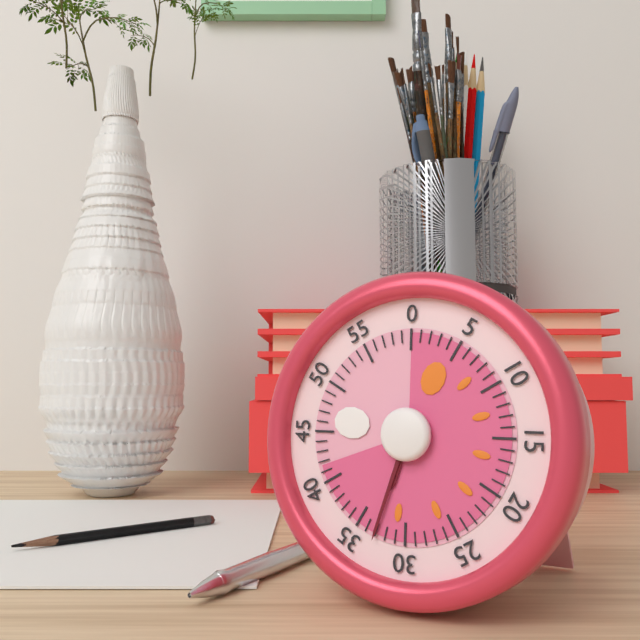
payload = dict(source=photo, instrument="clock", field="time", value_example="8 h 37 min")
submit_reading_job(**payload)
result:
6 h 33 min
